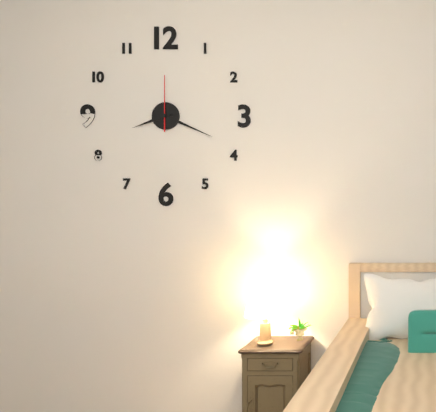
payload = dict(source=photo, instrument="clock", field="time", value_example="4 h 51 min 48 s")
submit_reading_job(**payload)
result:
8 h 19 min 00 s
